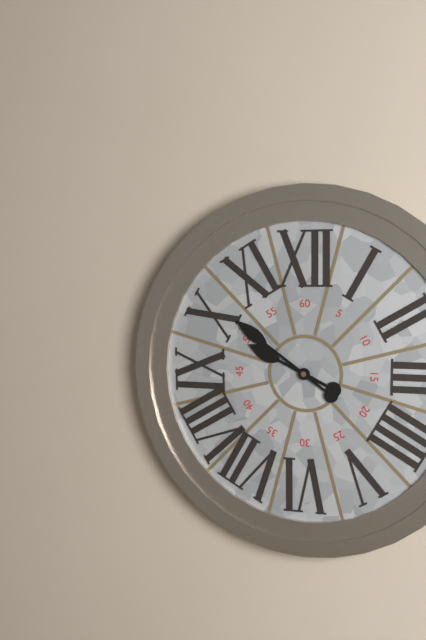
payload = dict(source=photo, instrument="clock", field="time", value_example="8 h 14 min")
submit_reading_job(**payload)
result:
9 h 51 min
